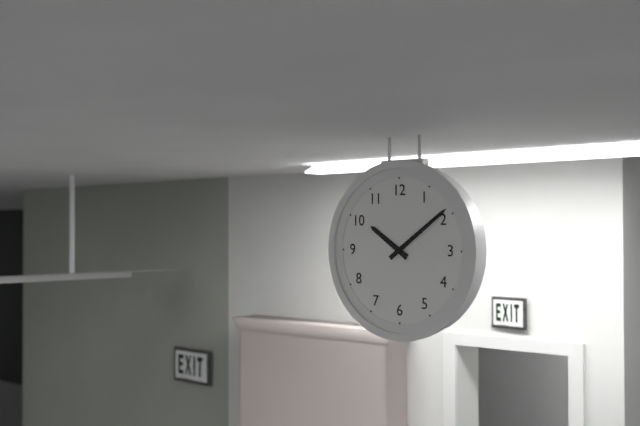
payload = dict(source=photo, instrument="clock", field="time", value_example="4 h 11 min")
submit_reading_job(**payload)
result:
10 h 09 min
